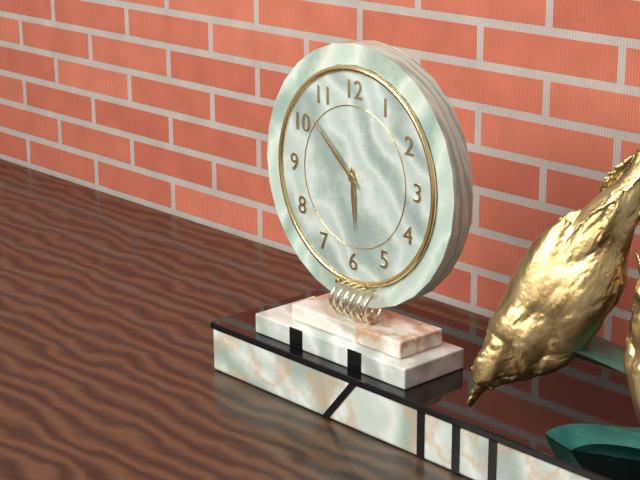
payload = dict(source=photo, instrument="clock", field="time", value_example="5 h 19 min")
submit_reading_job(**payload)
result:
5 h 52 min
